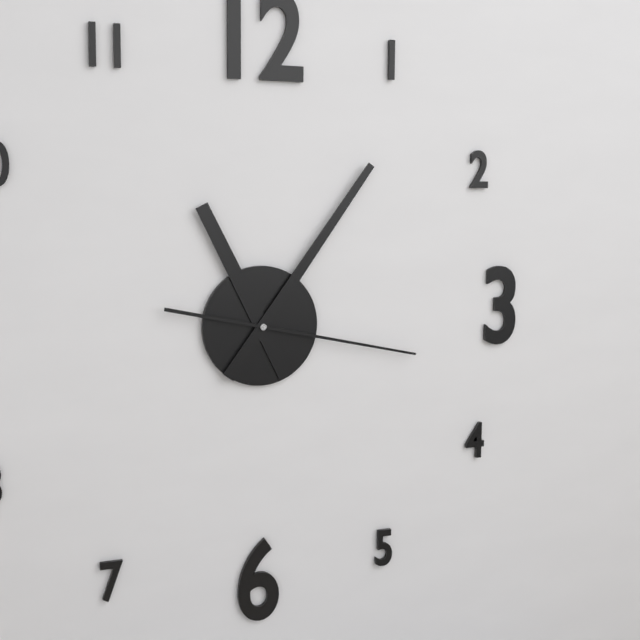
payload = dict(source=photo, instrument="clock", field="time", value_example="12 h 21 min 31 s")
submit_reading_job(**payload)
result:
11 h 06 min 17 s
